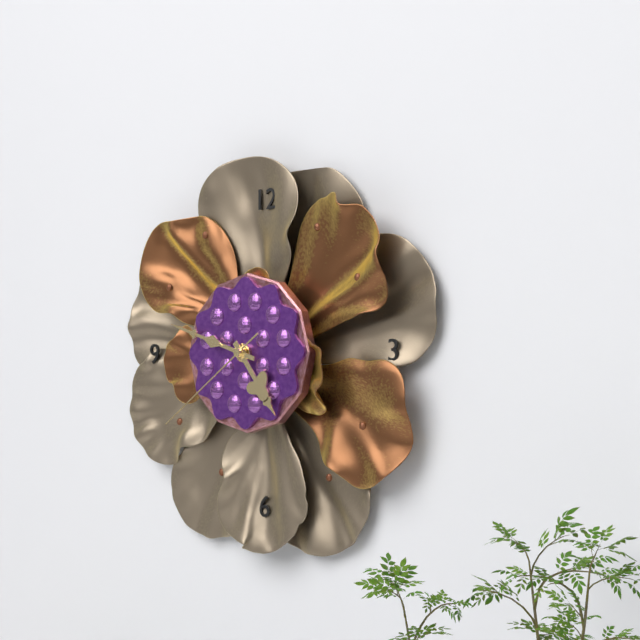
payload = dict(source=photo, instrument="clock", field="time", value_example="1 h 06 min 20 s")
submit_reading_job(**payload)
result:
4 h 48 min 39 s
